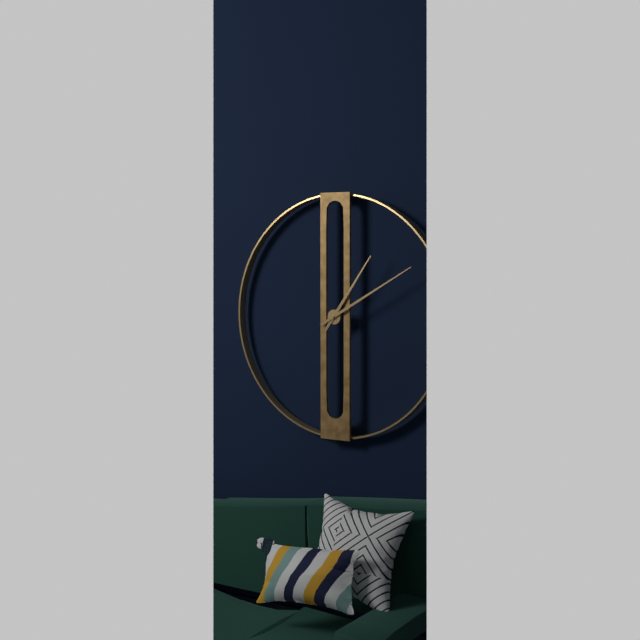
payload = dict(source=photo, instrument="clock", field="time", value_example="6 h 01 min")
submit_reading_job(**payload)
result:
1 h 10 min
